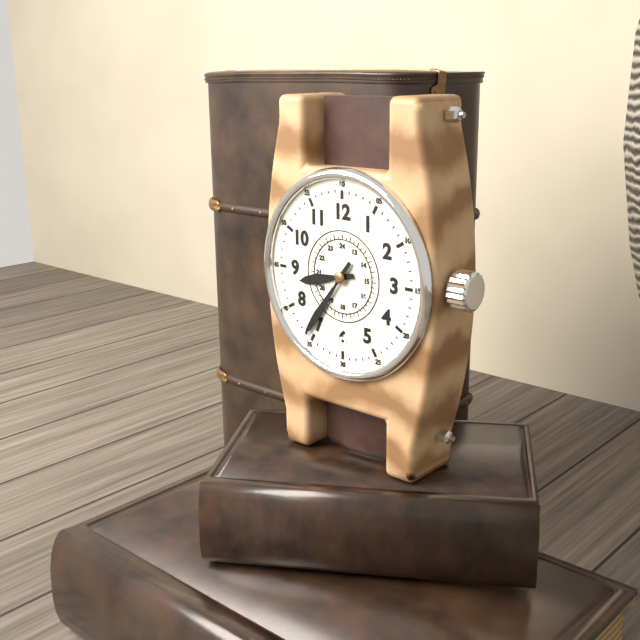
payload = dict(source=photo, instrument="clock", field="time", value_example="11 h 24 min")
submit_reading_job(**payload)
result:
8 h 36 min
